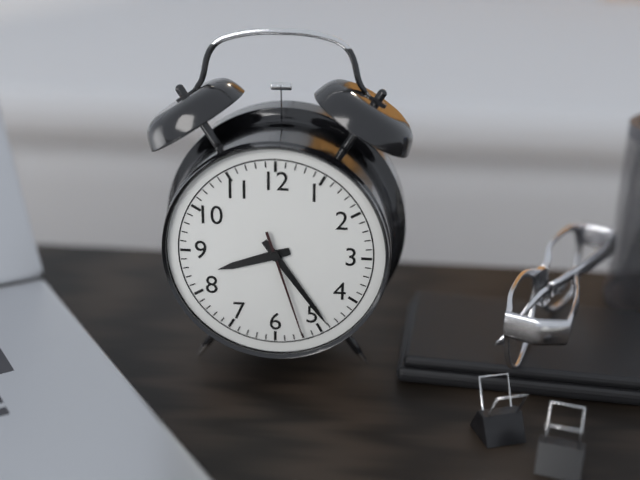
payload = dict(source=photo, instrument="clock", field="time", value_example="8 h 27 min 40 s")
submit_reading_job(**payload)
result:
8 h 24 min 27 s
